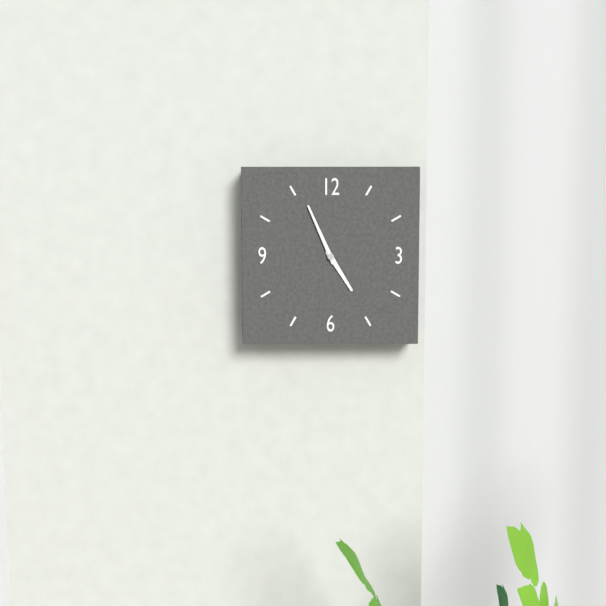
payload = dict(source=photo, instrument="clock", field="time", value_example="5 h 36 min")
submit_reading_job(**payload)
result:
4 h 56 min
